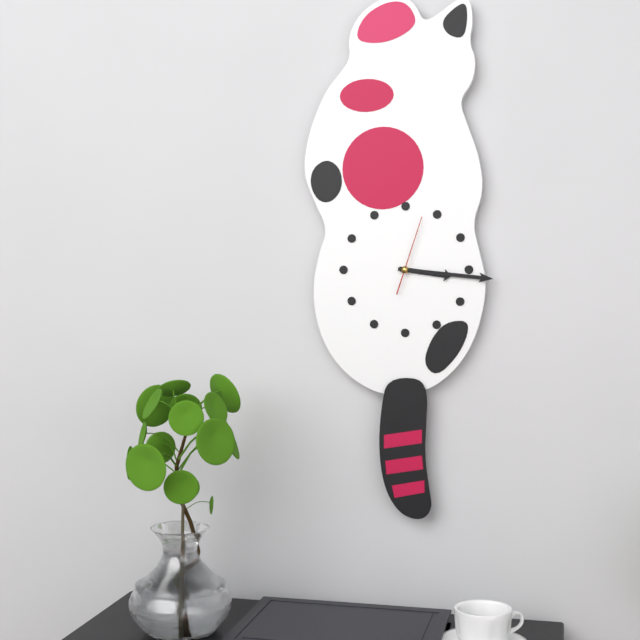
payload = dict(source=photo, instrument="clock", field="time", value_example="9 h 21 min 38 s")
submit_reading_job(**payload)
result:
3 h 16 min 03 s
